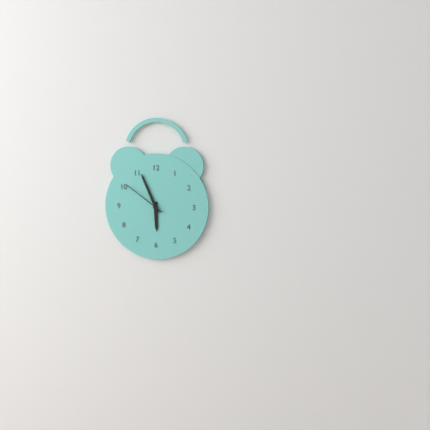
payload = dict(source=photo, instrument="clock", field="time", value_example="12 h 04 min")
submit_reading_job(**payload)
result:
5 h 56 min
